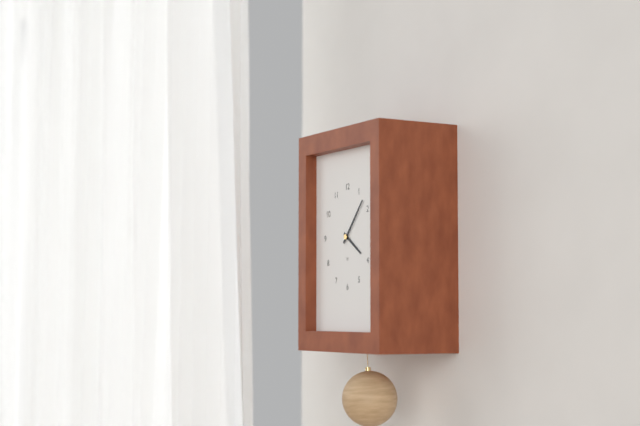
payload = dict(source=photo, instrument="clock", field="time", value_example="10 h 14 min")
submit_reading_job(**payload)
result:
4 h 07 min
